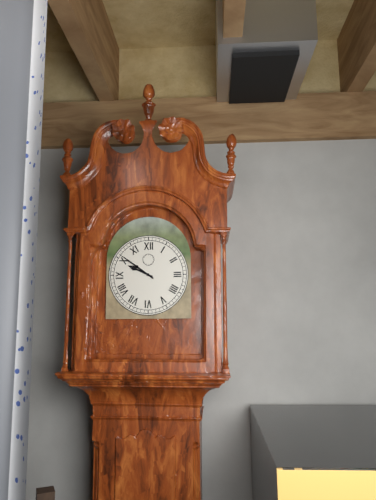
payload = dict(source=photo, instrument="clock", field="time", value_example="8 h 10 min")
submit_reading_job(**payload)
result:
9 h 51 min
